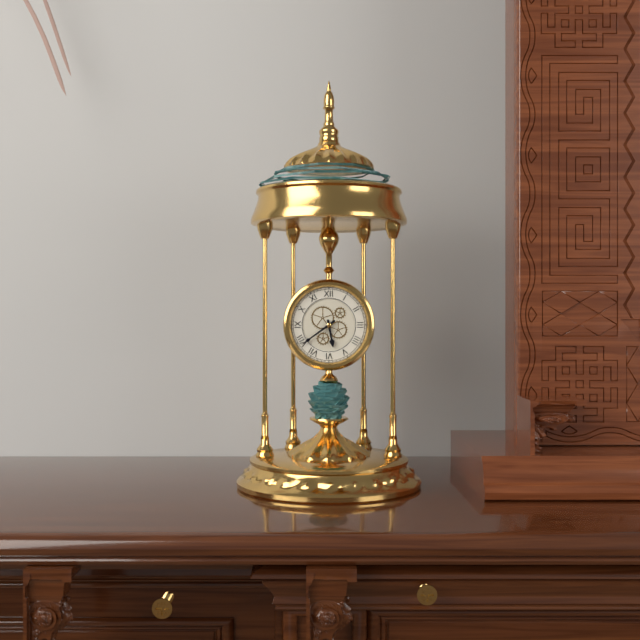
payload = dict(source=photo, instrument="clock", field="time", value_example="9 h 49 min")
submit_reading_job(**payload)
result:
5 h 39 min
